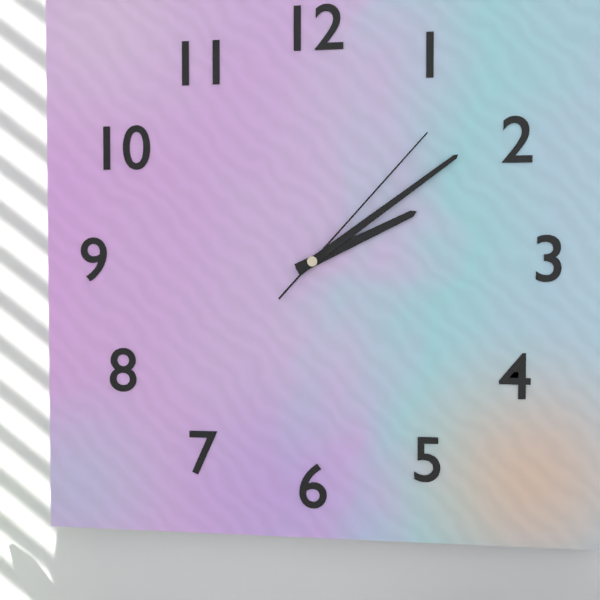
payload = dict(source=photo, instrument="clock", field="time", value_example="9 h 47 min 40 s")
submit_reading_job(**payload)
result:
2 h 09 min 07 s
